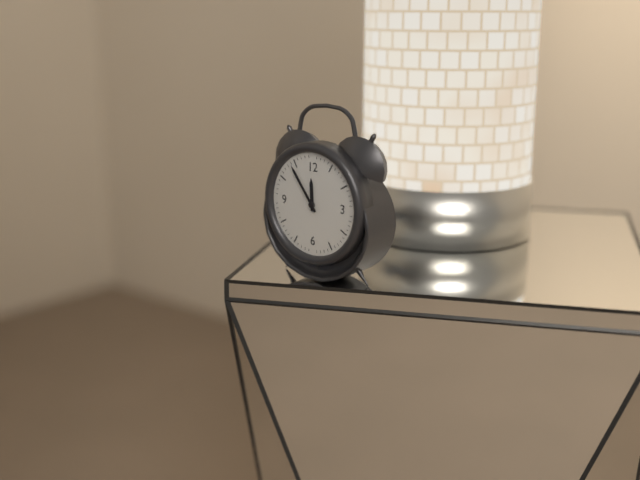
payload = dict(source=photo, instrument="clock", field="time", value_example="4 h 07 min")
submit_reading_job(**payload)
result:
11 h 54 min
